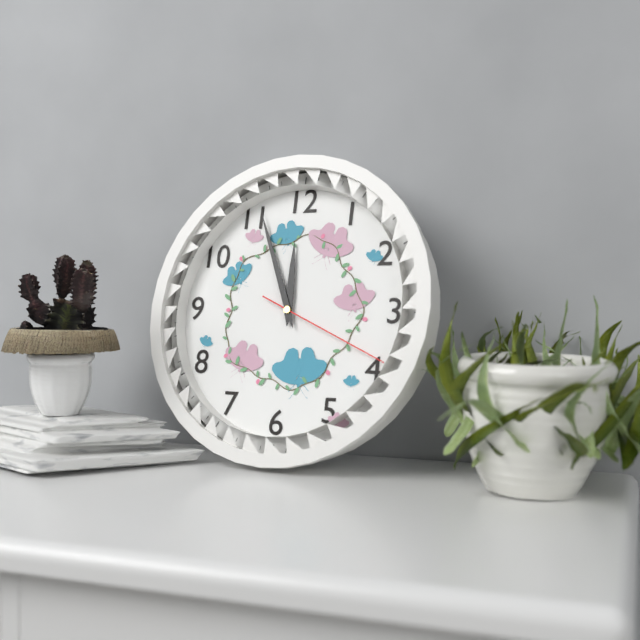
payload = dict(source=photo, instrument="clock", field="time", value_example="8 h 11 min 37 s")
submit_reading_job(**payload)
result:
11 h 56 min 19 s
